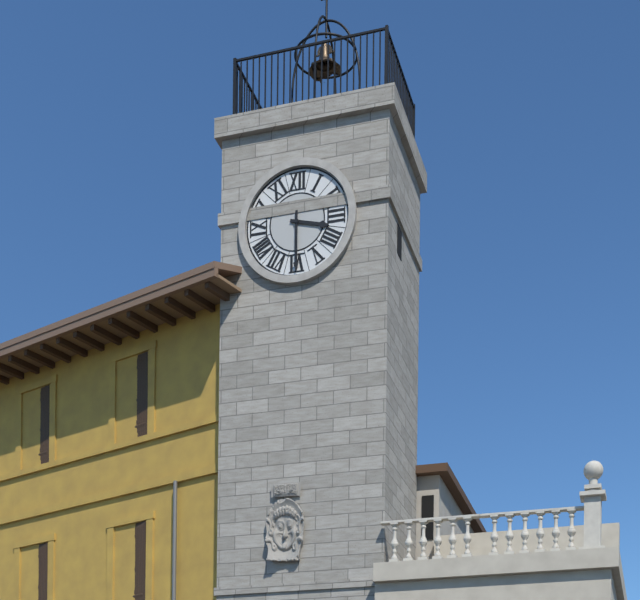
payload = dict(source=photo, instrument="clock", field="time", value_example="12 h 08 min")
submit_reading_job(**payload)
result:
3 h 30 min
